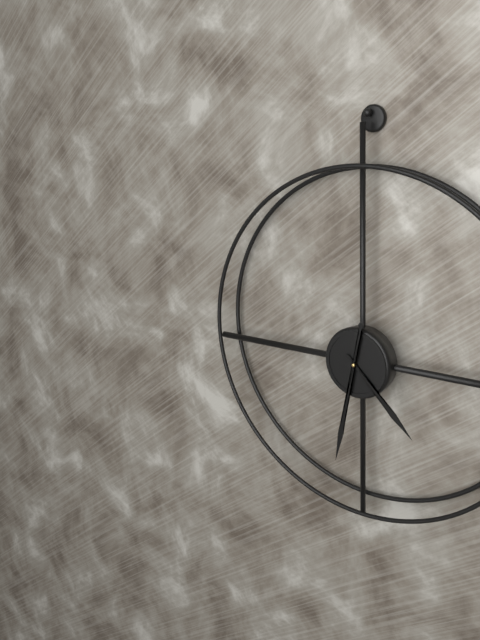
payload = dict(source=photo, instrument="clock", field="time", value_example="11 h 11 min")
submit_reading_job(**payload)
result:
4 h 32 min
